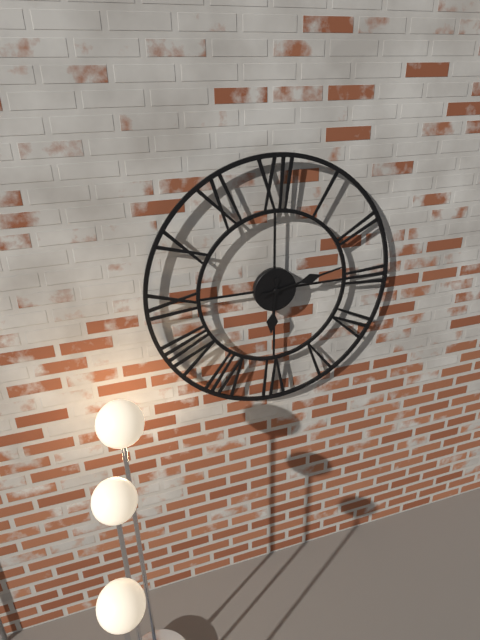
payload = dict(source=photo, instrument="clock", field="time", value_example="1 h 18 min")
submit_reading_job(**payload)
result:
6 h 13 min
